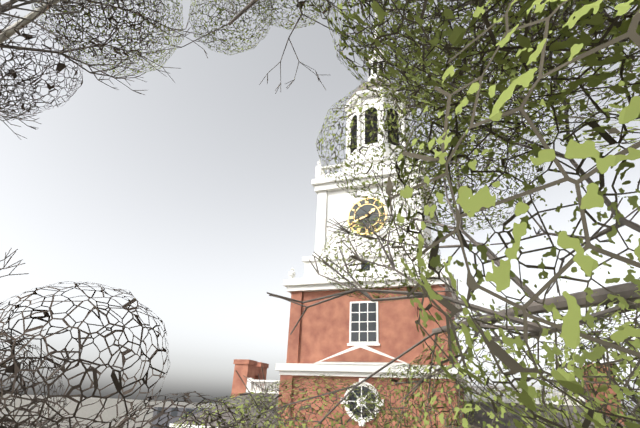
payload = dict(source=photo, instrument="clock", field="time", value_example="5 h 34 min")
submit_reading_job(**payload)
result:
1 h 41 min
